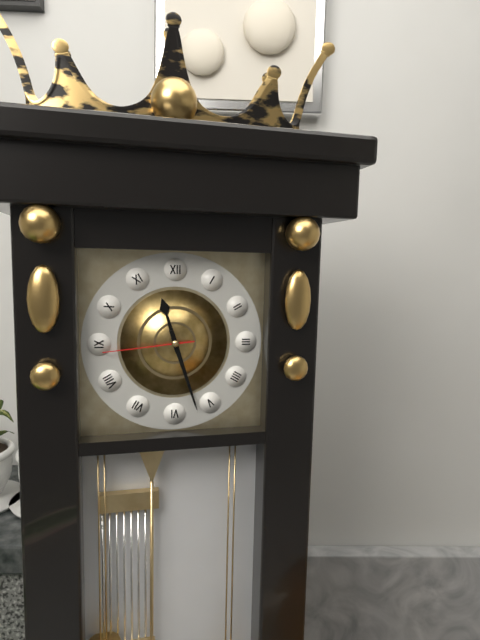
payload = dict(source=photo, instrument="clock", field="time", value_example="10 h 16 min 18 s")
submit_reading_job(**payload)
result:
11 h 27 min 44 s
